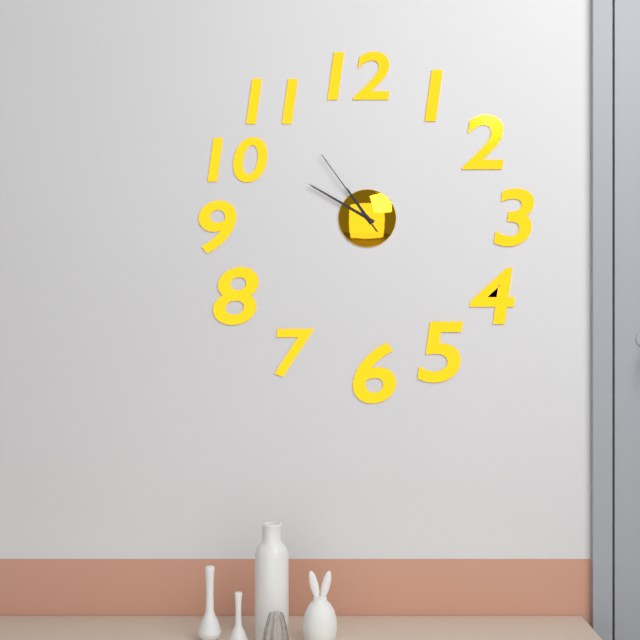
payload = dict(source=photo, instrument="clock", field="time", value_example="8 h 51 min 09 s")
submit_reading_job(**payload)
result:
10 h 50 min 54 s
